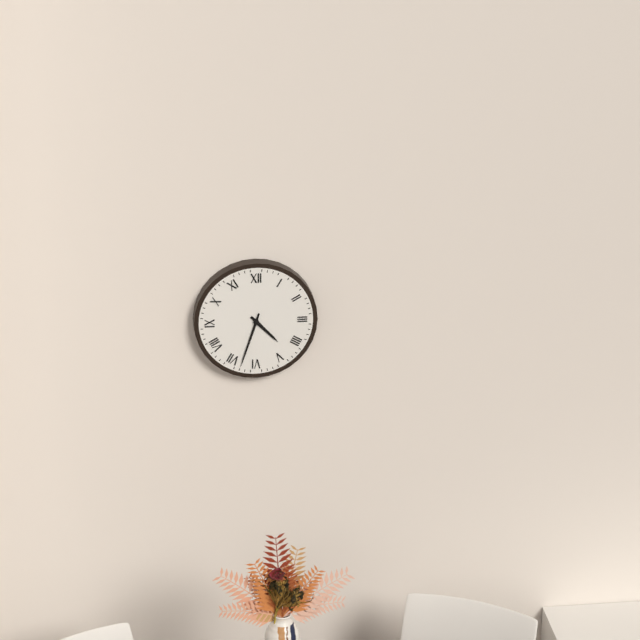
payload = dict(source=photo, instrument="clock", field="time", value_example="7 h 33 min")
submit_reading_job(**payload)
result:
4 h 33 min
